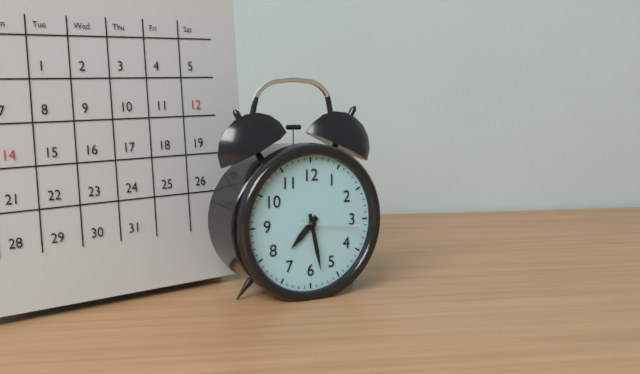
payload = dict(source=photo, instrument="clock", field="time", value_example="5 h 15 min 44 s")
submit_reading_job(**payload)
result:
7 h 28 min 16 s
